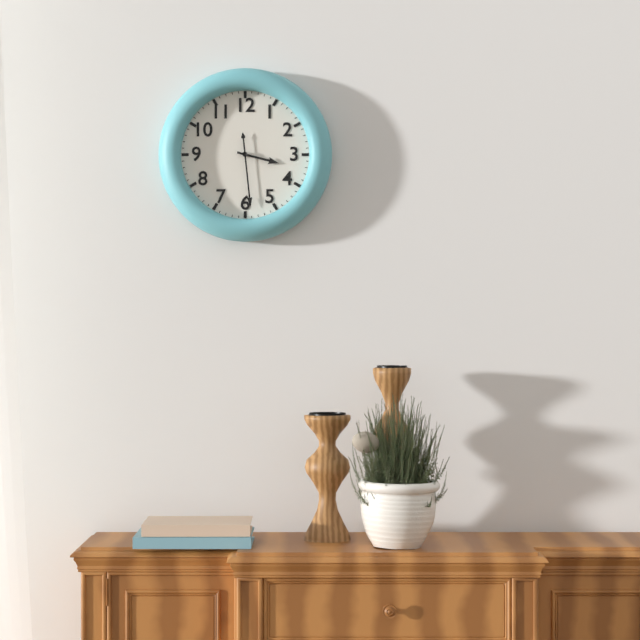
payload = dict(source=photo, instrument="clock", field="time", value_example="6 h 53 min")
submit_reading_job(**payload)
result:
3 h 29 min
